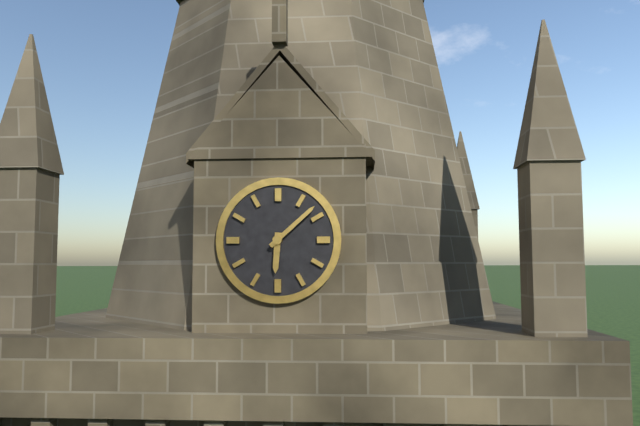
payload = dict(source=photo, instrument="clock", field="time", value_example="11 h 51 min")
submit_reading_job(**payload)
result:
6 h 08 min
